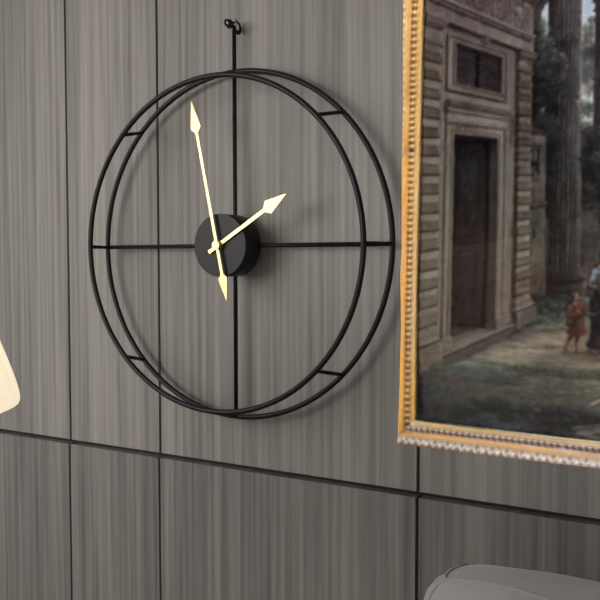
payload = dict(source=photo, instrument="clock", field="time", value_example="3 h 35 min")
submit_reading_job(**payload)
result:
1 h 58 min
